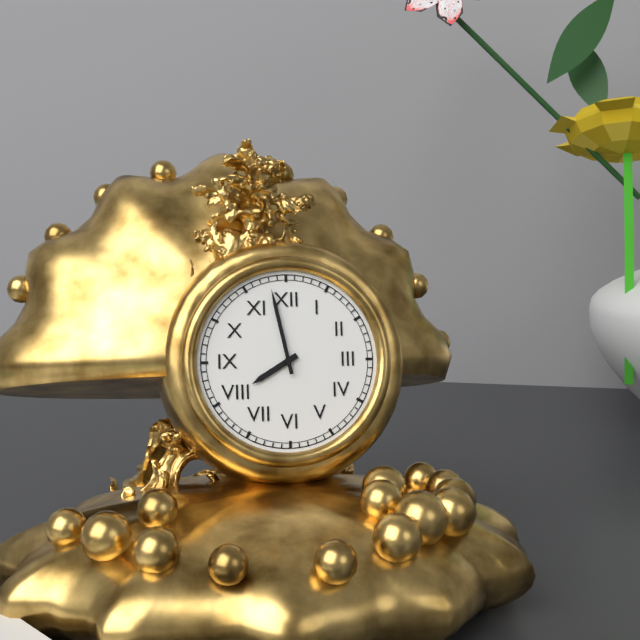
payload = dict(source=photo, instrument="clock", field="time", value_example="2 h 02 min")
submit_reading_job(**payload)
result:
7 h 58 min
